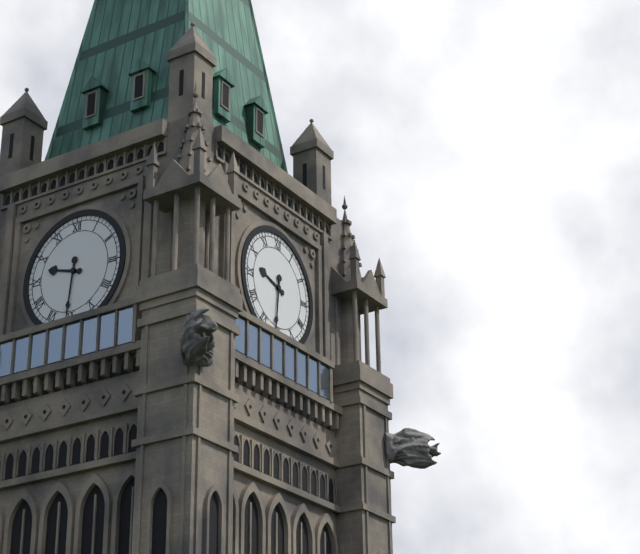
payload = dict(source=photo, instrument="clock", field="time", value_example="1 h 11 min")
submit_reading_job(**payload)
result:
9 h 31 min
